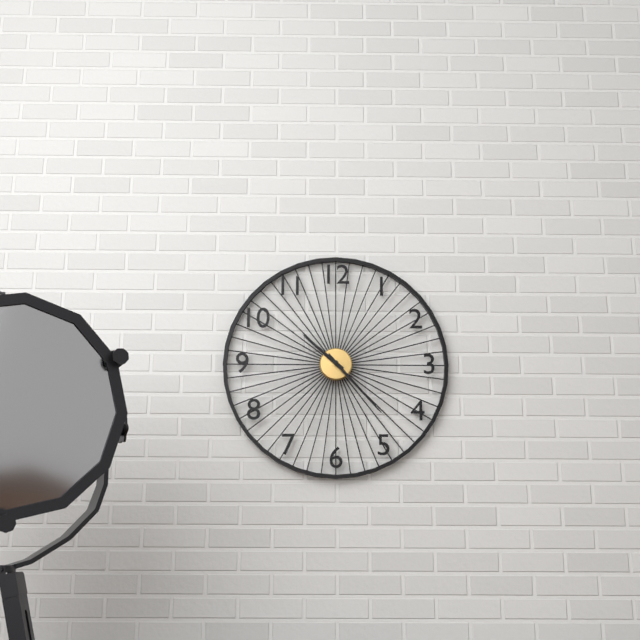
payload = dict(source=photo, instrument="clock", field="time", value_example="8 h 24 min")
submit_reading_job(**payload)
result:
10 h 23 min
